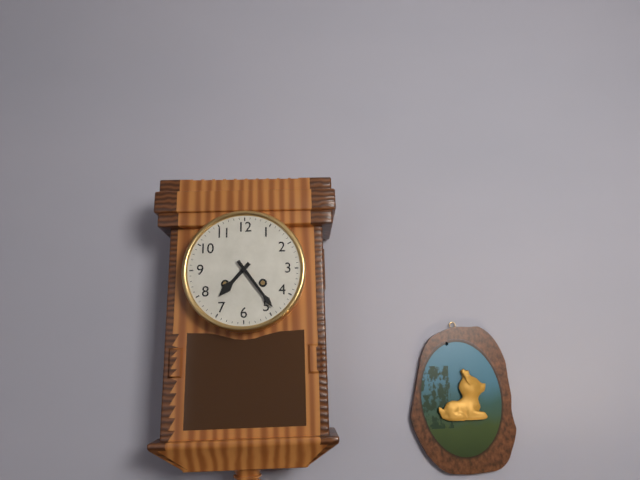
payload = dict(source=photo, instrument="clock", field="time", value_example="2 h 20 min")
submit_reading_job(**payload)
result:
7 h 24 min
